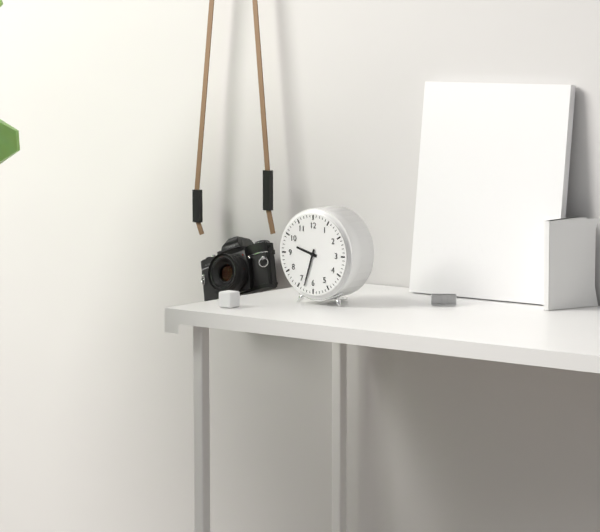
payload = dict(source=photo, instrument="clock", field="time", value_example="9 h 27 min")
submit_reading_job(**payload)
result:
9 h 33 min
